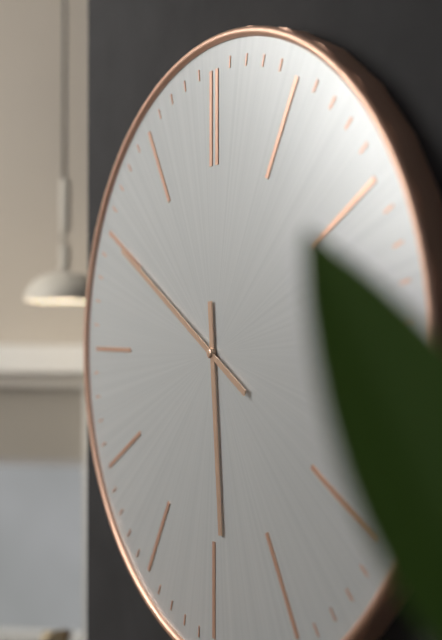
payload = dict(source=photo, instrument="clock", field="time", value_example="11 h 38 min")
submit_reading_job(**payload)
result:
5 h 50 min
